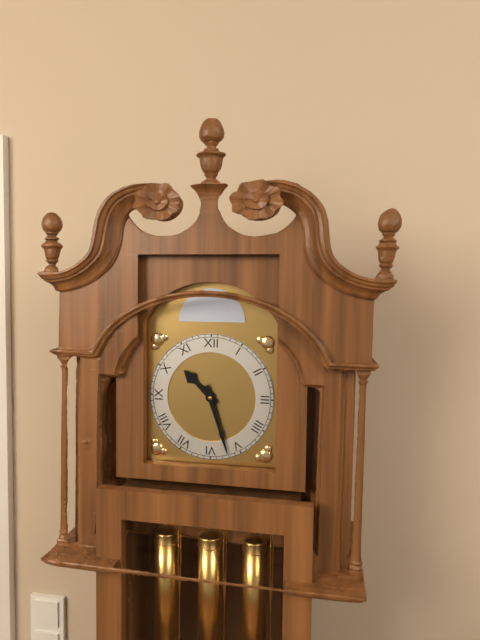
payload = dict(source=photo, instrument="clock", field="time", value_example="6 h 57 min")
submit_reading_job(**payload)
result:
10 h 27 min
